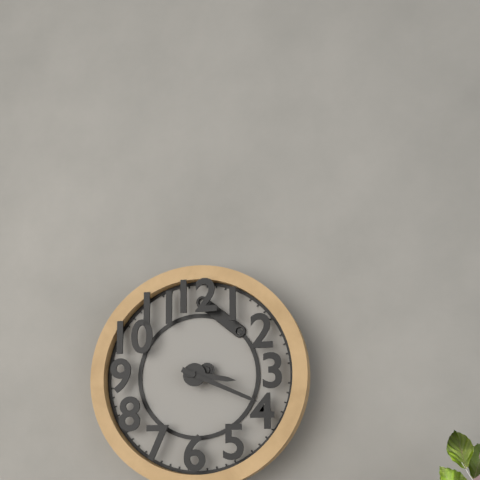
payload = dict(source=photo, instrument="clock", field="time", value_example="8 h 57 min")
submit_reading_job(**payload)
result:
3 h 19 min
